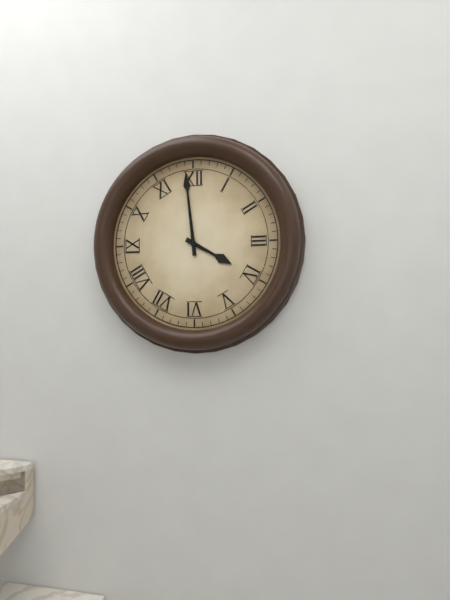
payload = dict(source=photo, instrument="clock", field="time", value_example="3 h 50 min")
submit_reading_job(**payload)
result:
3 h 59 min
